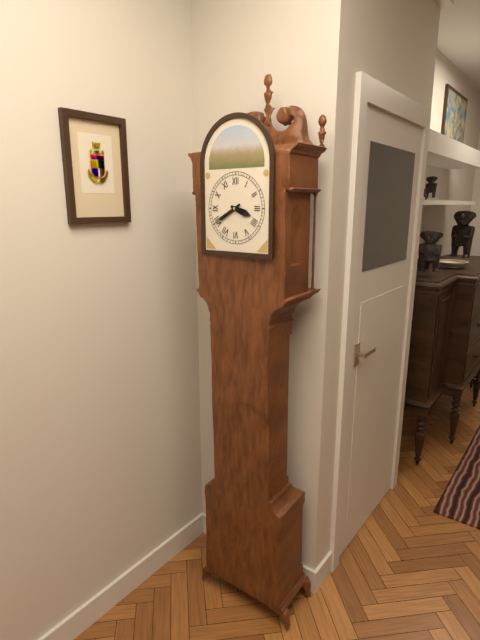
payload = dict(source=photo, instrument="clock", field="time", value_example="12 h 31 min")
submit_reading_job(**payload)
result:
3 h 40 min
